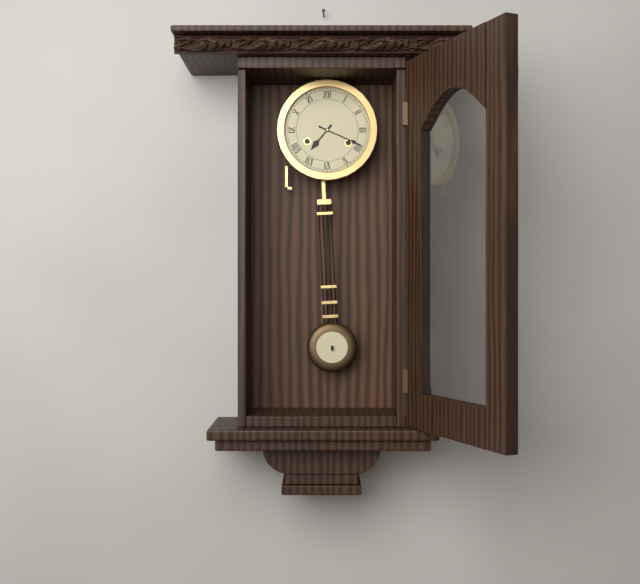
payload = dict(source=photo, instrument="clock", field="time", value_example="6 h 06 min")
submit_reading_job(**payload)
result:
7 h 19 min
